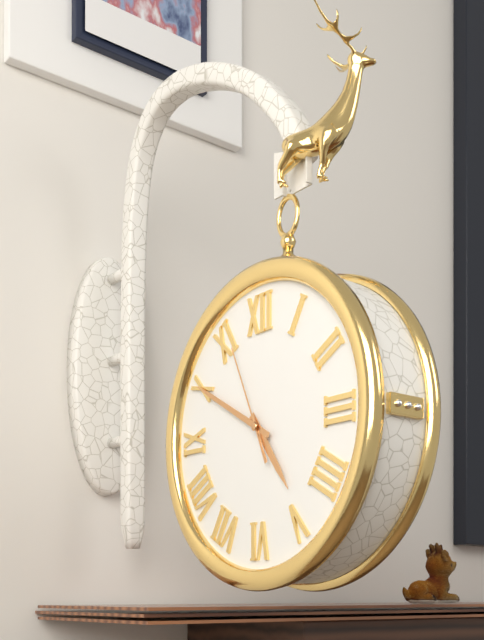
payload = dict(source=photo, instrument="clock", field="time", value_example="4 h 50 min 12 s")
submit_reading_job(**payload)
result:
4 h 50 min 56 s
